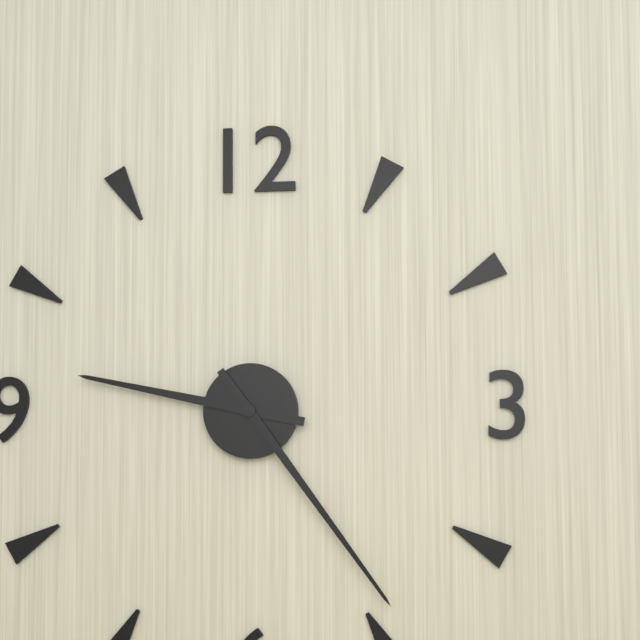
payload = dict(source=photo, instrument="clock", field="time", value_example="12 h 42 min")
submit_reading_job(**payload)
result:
9 h 24 min
